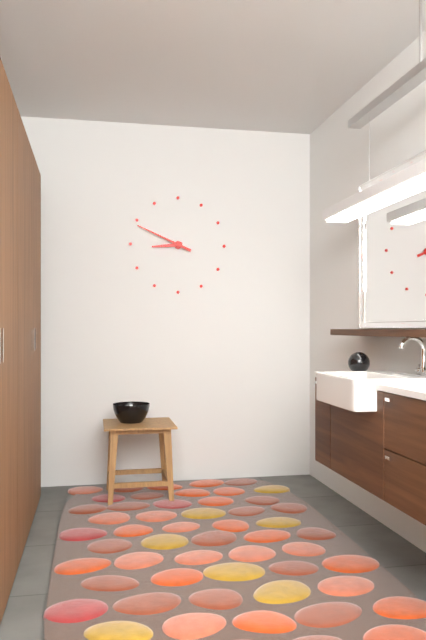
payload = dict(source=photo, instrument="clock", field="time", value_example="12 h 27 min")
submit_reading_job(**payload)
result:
8 h 49 min
